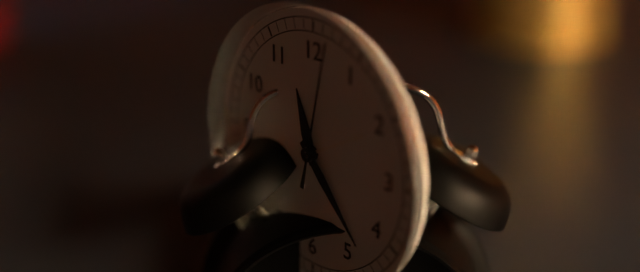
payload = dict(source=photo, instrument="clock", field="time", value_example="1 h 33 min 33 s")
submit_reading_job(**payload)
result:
11 h 23 min 02 s
